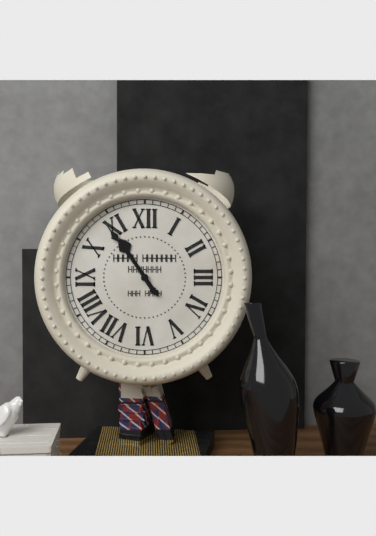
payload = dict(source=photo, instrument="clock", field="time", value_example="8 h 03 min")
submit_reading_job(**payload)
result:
10 h 54 min
